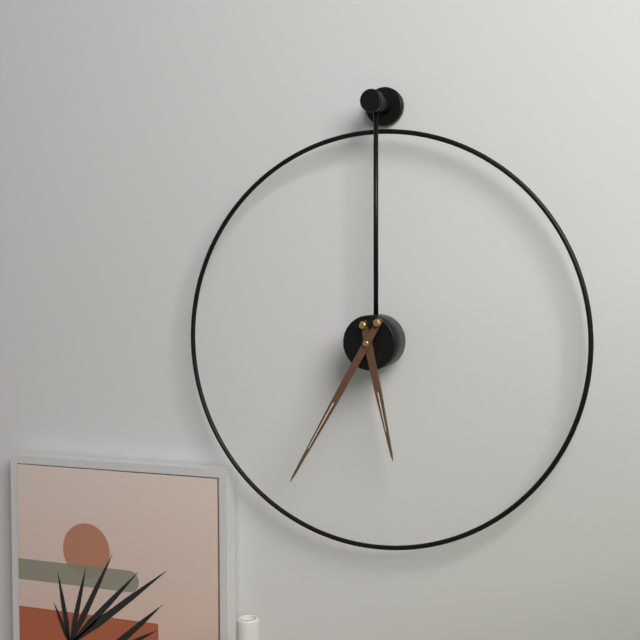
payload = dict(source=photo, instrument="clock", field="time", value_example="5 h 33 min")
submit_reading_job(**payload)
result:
5 h 35 min
